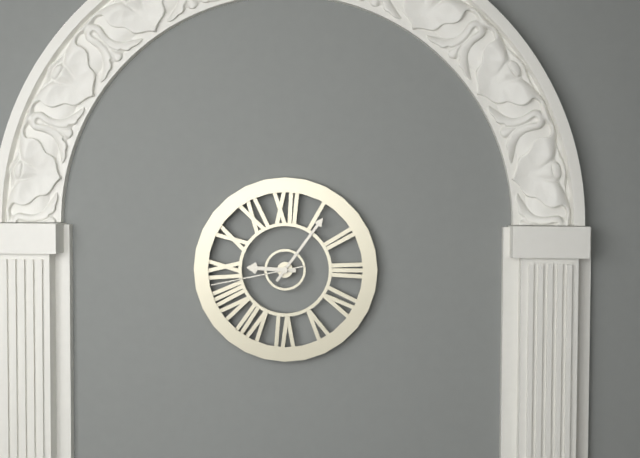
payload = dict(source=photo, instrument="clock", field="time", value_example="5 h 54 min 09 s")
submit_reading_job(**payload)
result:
9 h 06 min 43 s
